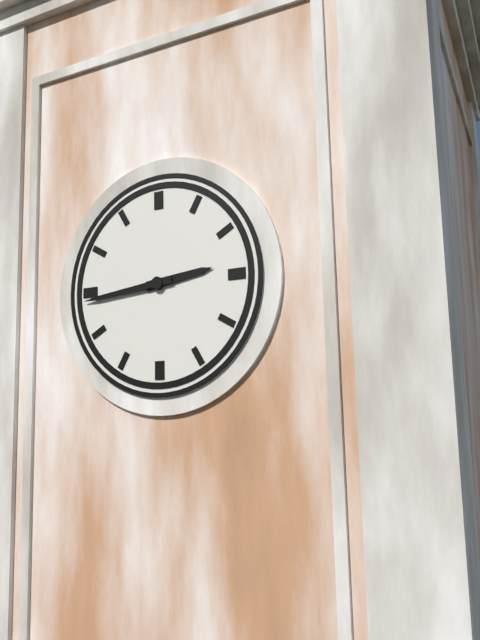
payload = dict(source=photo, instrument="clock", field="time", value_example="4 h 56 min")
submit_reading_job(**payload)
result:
2 h 44 min
